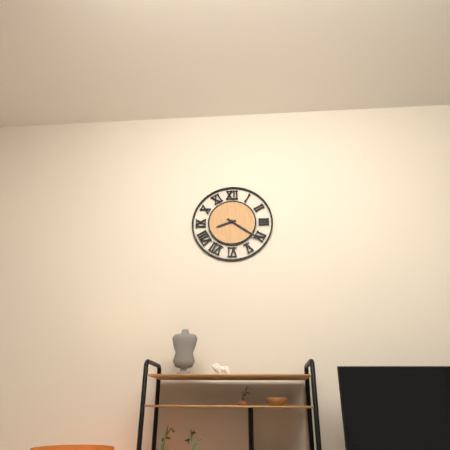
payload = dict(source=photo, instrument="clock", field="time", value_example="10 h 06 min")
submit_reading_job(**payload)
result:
8 h 21 min
